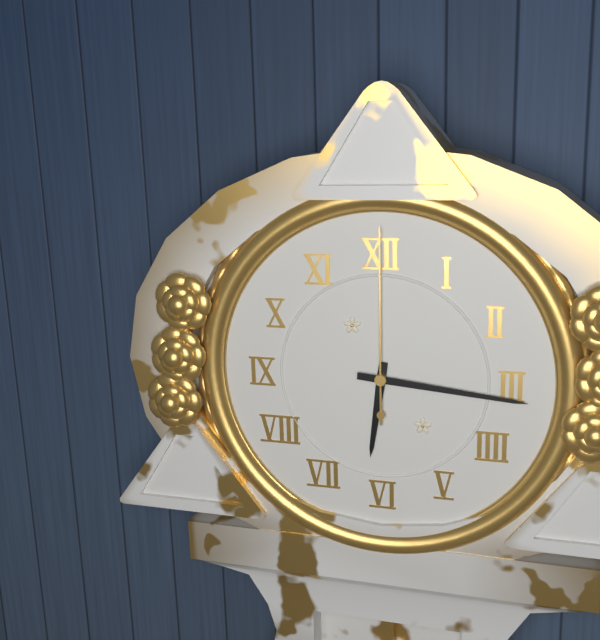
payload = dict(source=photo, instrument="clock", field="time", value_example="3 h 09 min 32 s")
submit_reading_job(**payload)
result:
6 h 16 min 00 s
